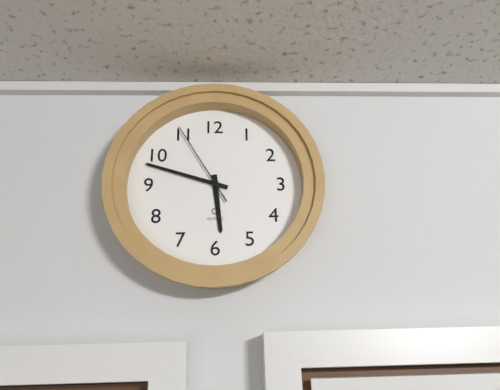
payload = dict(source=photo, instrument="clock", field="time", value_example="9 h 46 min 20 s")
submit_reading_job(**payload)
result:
5 h 48 min 55 s
